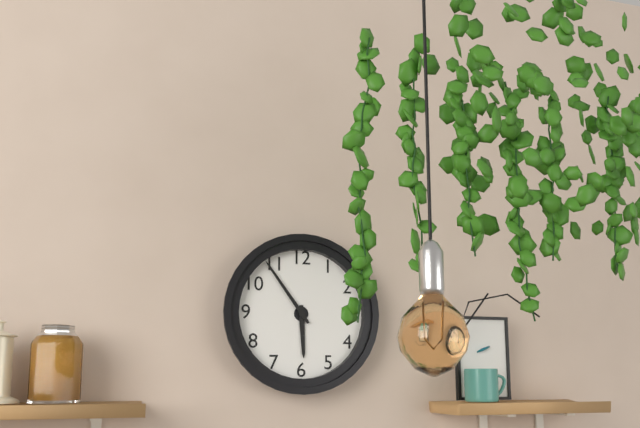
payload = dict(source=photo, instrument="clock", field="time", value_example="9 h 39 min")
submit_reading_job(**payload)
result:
5 h 54 min
